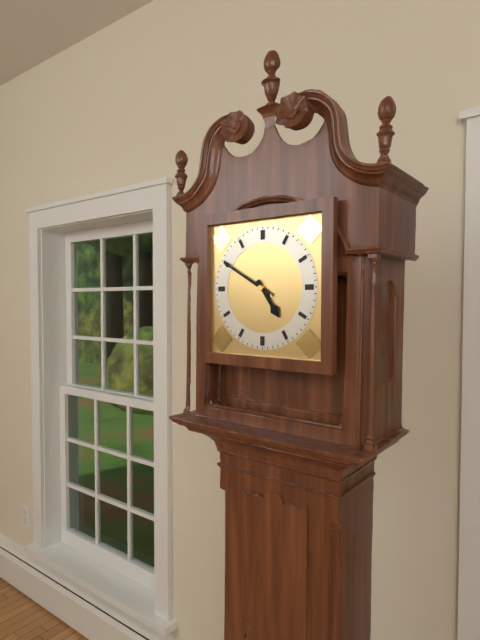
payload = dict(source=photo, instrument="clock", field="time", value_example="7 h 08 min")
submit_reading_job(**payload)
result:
4 h 50 min
